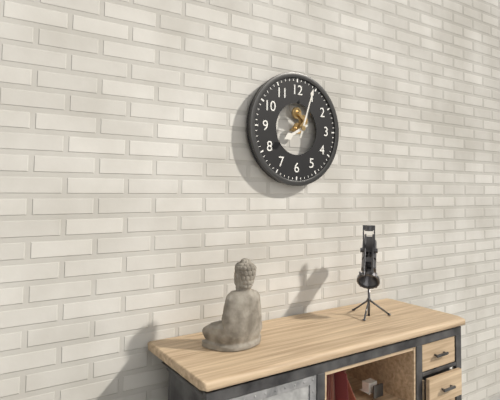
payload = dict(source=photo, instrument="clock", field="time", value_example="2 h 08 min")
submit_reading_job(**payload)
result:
8 h 03 min
